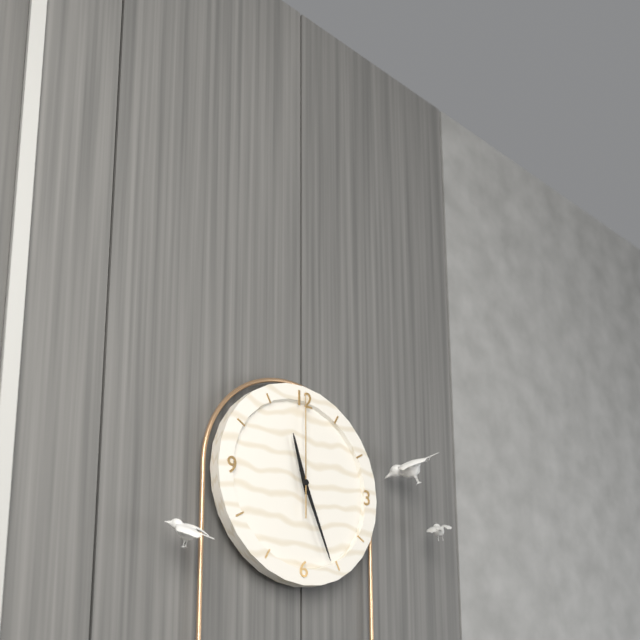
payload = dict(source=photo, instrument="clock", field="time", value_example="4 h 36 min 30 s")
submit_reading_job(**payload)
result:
11 h 26 min 00 s
